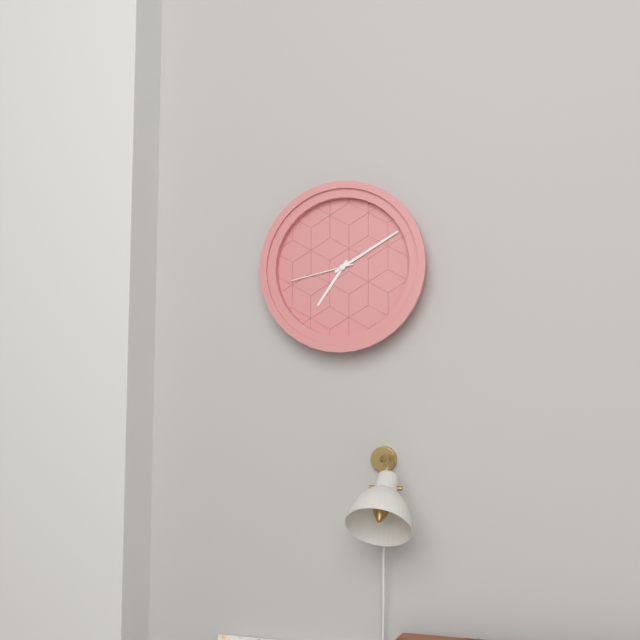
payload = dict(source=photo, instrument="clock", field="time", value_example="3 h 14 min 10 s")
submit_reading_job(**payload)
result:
7 h 10 min 43 s
